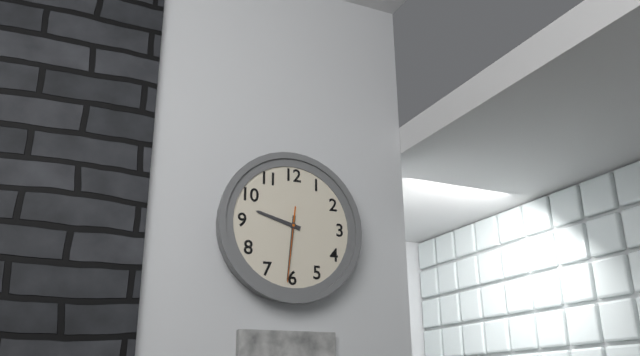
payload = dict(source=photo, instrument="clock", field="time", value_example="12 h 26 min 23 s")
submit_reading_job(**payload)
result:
9 h 31 min 31 s
